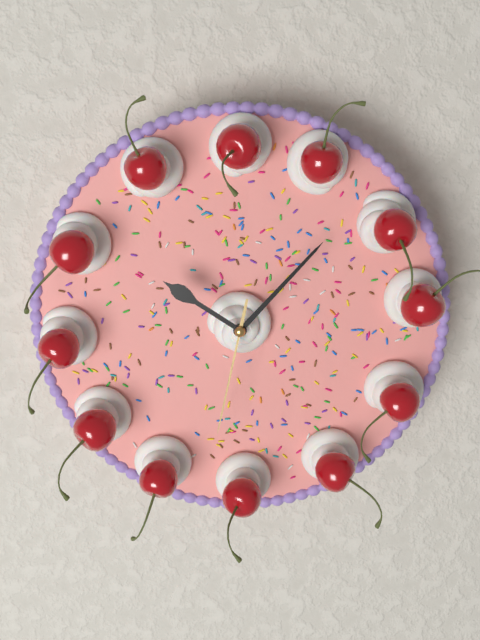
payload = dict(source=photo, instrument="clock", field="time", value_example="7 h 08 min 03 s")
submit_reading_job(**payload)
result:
10 h 07 min 32 s
